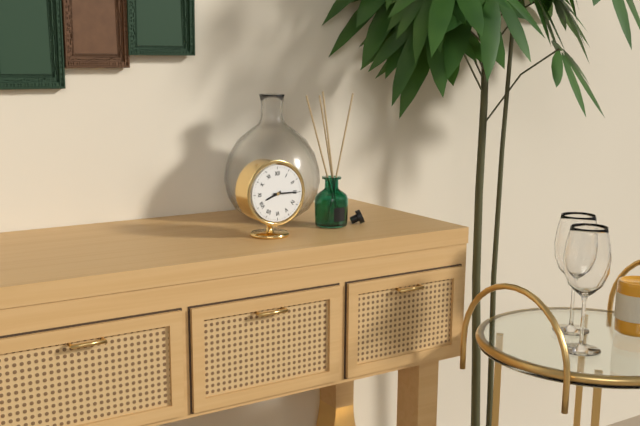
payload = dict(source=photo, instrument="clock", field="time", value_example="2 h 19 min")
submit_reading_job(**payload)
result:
8 h 15 min
